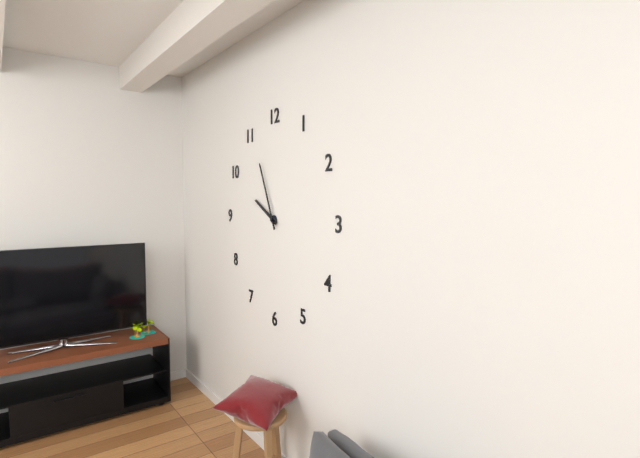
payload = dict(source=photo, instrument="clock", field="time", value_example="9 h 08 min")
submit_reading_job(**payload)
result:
9 h 56 min
